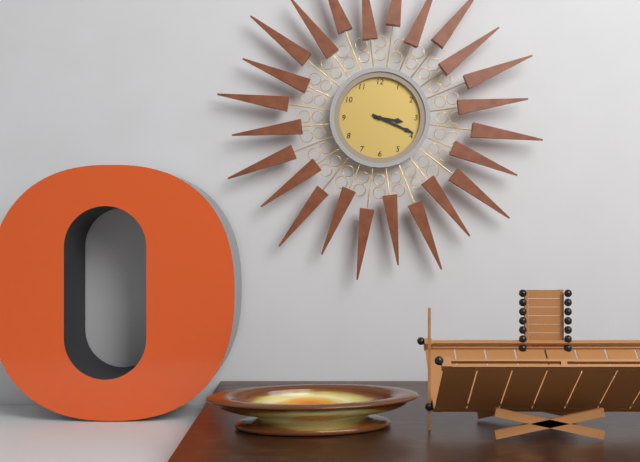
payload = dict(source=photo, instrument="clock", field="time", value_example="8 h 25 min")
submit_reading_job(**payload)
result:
3 h 19 min
